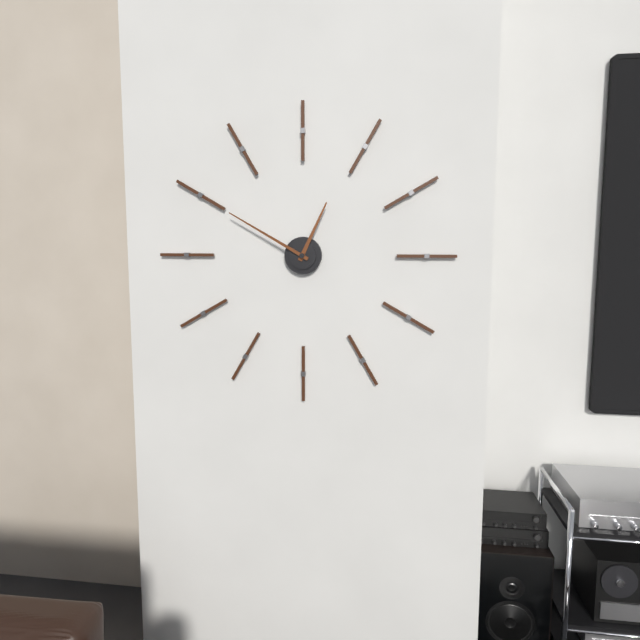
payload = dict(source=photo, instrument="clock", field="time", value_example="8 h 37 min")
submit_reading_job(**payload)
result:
12 h 50 min
